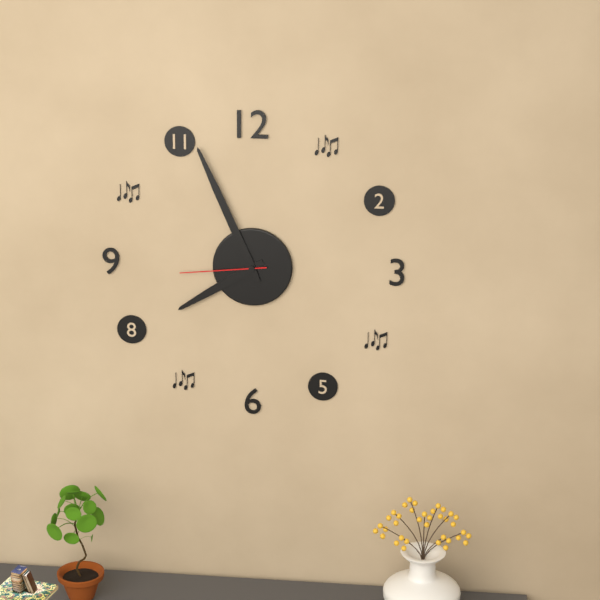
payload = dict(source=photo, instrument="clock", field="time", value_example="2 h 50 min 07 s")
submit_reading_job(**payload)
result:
7 h 56 min 44 s
